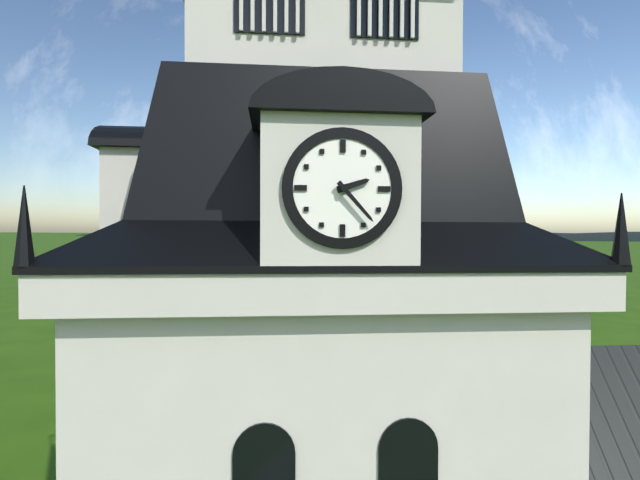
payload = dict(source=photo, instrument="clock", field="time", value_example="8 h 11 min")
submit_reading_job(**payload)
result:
2 h 23 min
